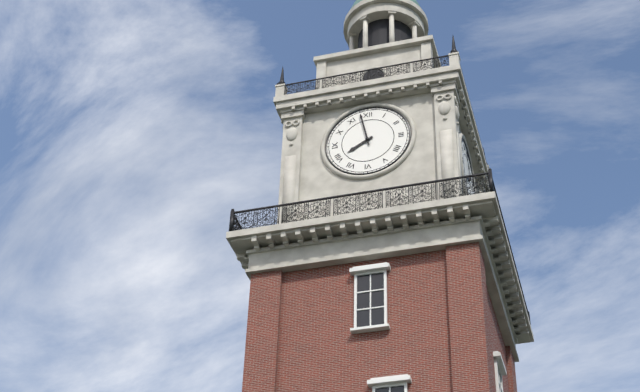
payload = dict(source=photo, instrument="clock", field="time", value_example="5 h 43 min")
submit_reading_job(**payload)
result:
7 h 58 min
